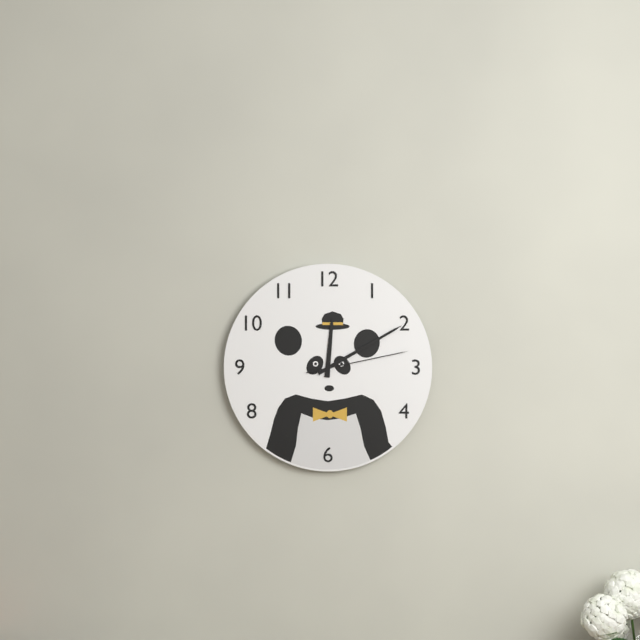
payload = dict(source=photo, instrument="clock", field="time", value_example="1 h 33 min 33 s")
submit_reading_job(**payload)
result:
12 h 10 min 13 s
